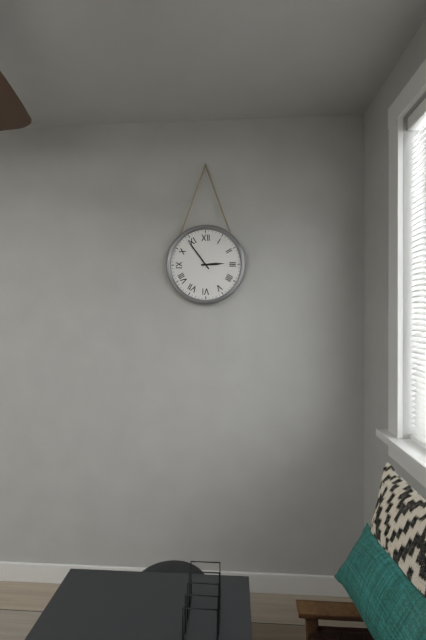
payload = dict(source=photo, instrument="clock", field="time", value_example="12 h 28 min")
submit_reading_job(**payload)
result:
2 h 54 min
